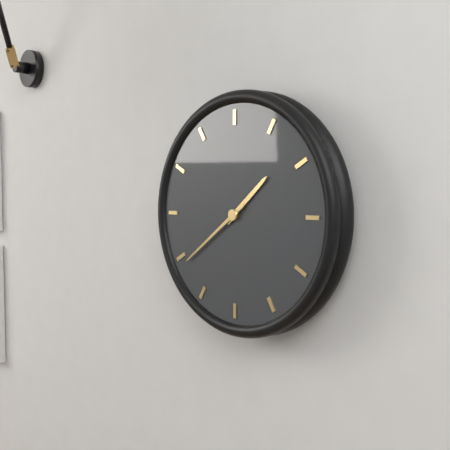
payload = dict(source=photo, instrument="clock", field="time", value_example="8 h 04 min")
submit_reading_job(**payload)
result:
1 h 39 min
